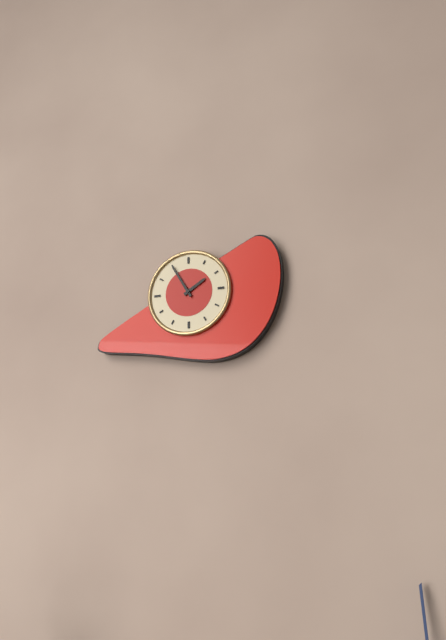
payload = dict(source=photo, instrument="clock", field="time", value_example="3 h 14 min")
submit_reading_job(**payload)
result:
1 h 55 min
